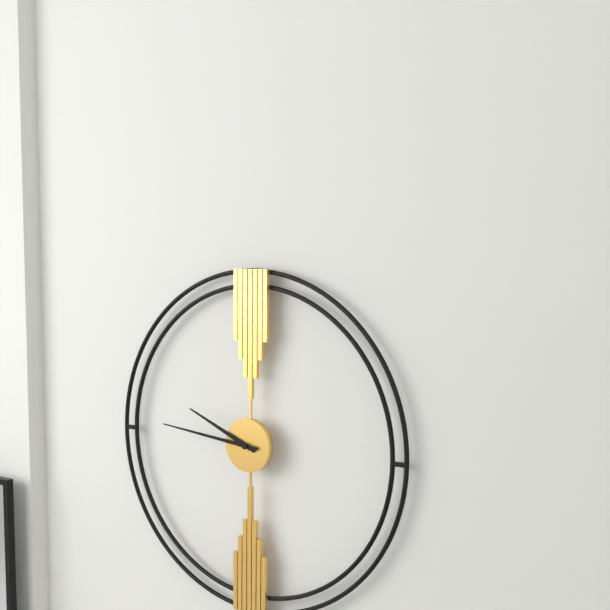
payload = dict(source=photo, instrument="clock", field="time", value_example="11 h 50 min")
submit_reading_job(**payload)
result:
9 h 46 min
